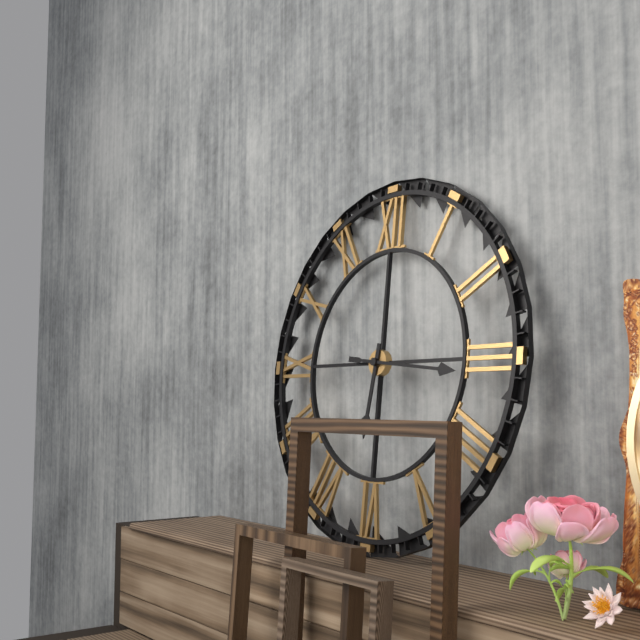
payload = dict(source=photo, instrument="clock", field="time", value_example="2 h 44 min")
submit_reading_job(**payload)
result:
6 h 16 min
